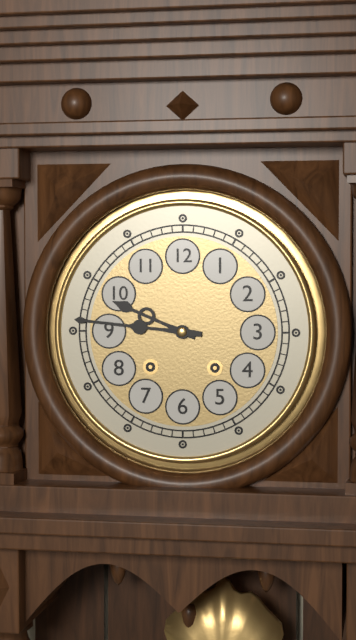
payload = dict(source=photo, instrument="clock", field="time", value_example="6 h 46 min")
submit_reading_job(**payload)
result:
9 h 46 min
